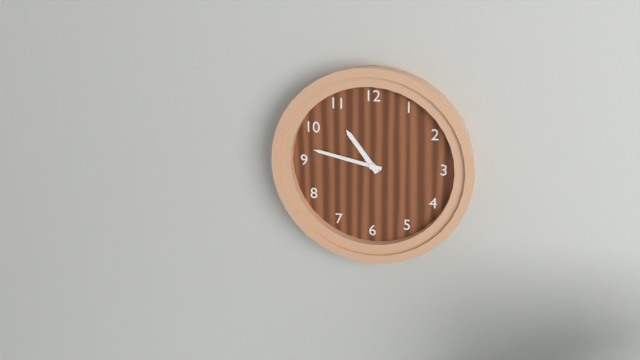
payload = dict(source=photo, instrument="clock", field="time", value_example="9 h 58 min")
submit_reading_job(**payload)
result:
10 h 47 min
